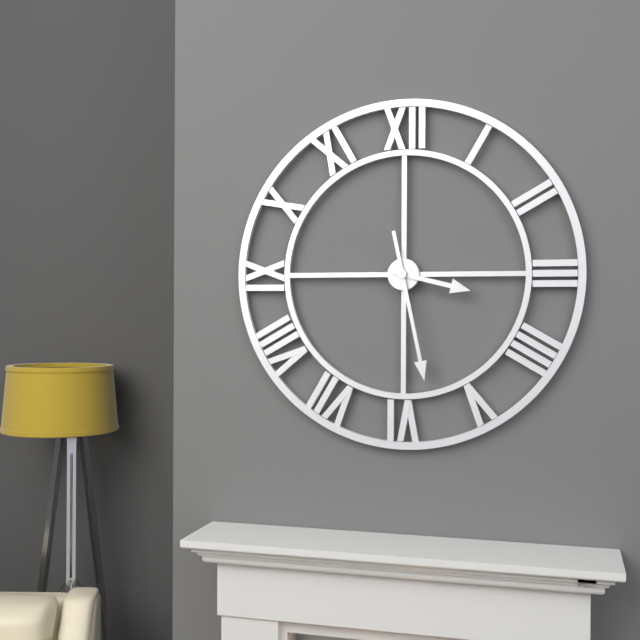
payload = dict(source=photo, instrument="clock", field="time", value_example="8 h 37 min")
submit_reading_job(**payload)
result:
3 h 28 min
